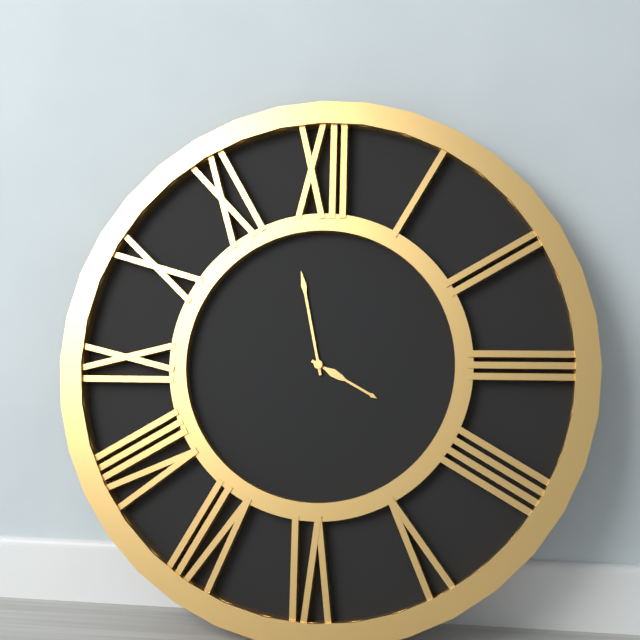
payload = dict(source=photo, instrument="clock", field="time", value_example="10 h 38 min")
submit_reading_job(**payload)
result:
3 h 58 min
